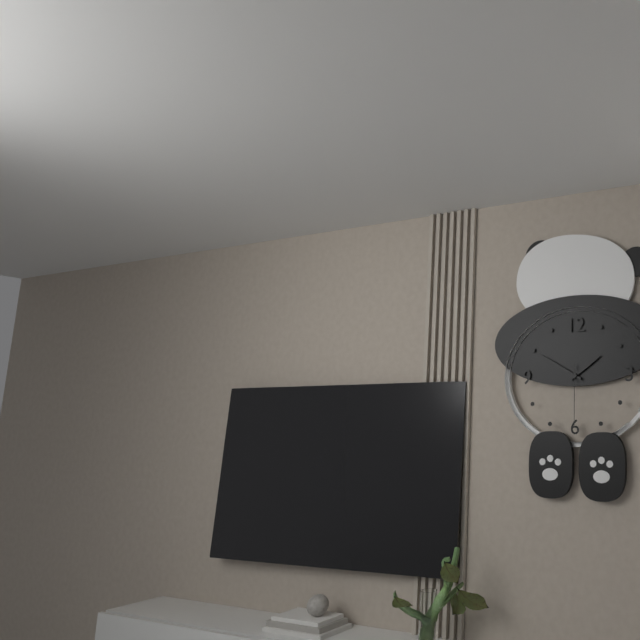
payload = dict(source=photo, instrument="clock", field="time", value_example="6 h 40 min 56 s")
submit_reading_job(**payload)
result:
1 h 50 min 30 s
